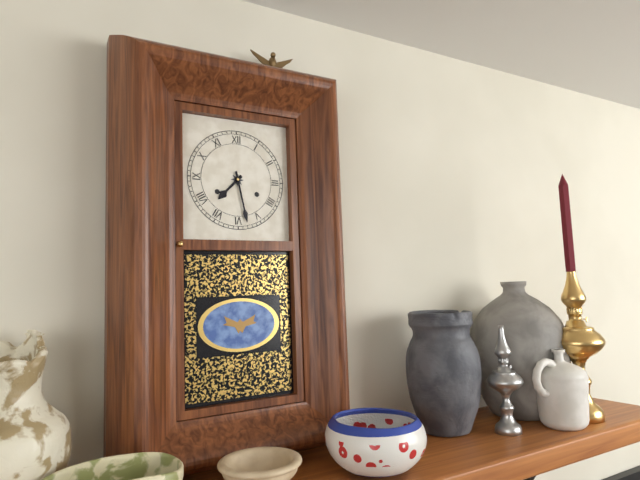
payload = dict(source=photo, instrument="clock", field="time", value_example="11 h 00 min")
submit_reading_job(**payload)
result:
7 h 28 min
